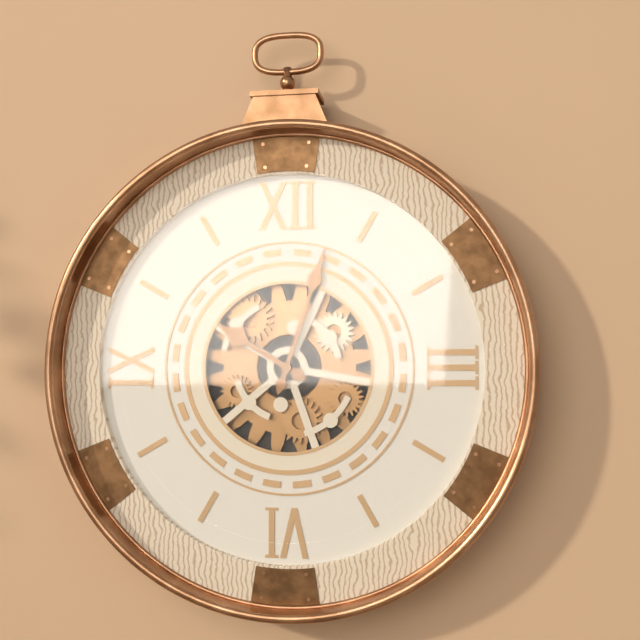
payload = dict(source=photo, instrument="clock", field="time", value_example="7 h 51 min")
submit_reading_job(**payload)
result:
10 h 03 min
